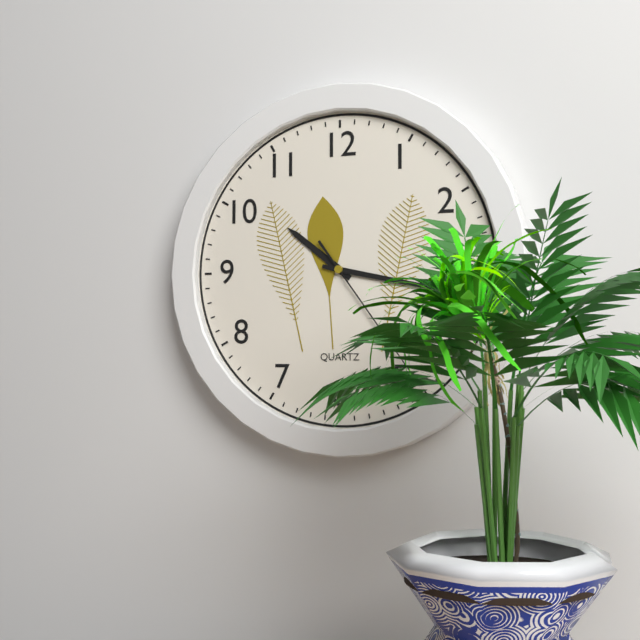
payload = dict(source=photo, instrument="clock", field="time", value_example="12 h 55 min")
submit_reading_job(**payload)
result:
10 h 17 min
